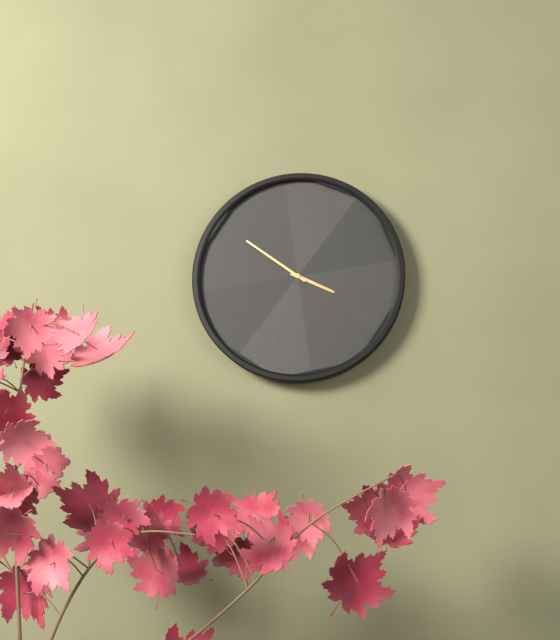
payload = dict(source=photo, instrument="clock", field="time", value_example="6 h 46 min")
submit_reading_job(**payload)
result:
3 h 51 min
